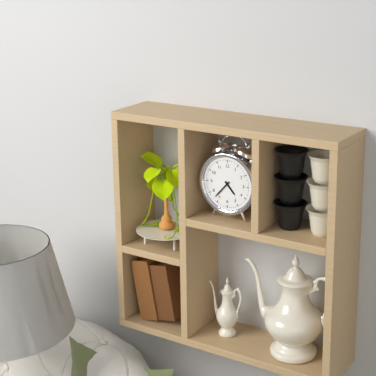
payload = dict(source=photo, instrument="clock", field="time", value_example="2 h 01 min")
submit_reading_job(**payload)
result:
4 h 37 min
